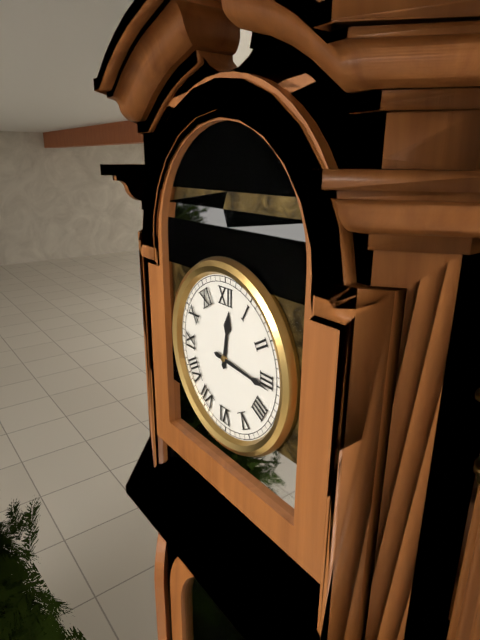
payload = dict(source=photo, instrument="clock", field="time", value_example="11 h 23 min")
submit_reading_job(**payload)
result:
12 h 16 min
